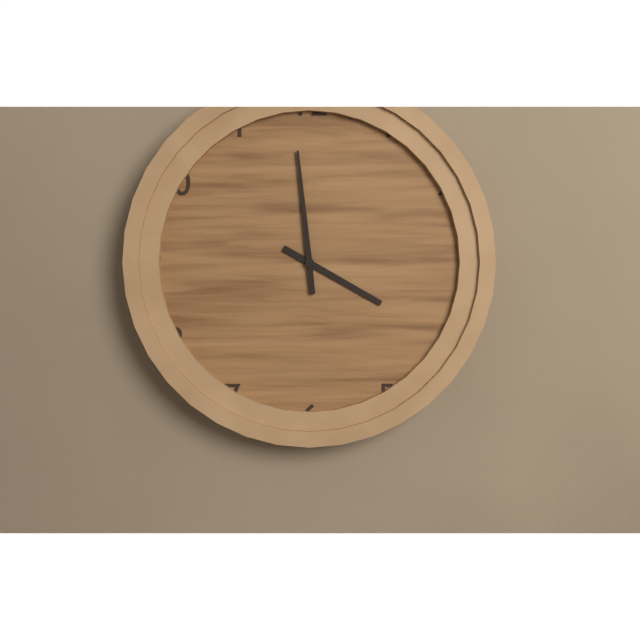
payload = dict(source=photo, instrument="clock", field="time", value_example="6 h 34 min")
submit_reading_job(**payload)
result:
3 h 59 min
